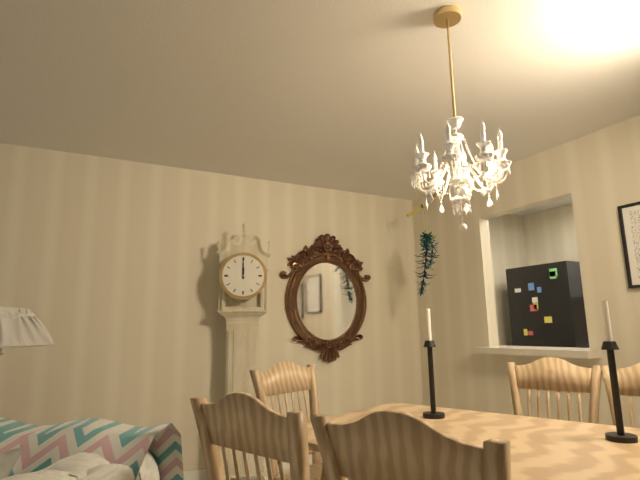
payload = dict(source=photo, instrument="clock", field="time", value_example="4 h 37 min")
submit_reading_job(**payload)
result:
12 h 00 min
